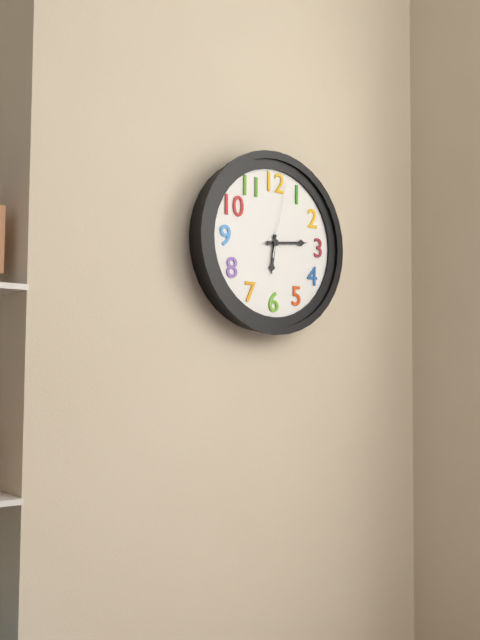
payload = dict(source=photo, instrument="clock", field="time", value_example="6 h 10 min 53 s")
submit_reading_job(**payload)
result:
6 h 14 min 02 s
